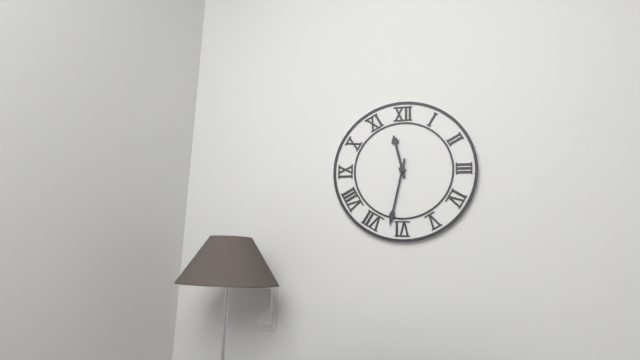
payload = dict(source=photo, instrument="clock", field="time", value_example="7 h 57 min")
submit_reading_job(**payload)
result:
11 h 32 min
